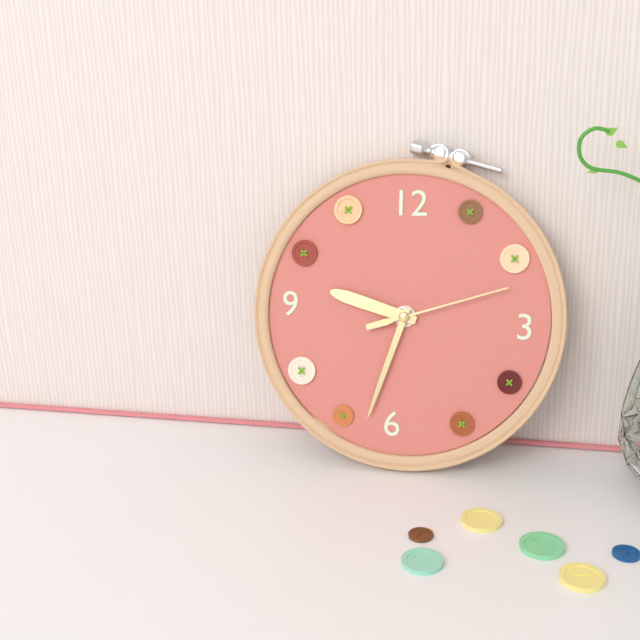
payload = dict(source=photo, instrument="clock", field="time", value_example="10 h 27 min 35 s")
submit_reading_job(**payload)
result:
9 h 33 min 12 s
